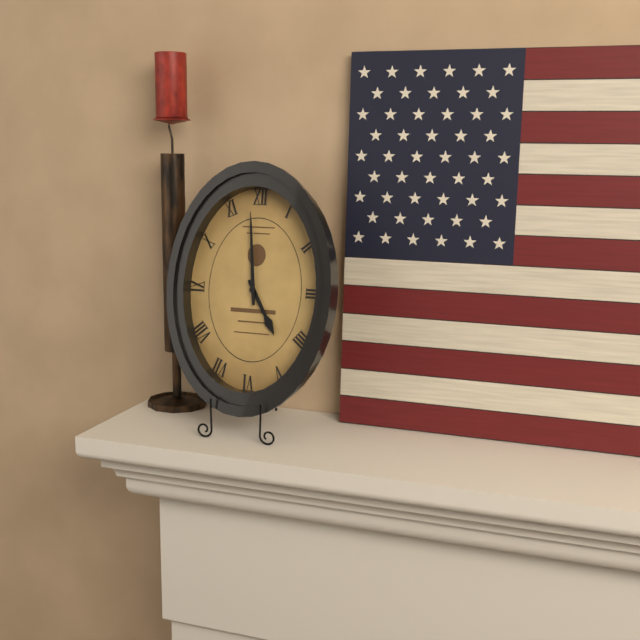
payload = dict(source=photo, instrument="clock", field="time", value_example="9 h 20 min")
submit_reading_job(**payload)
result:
4 h 59 min
